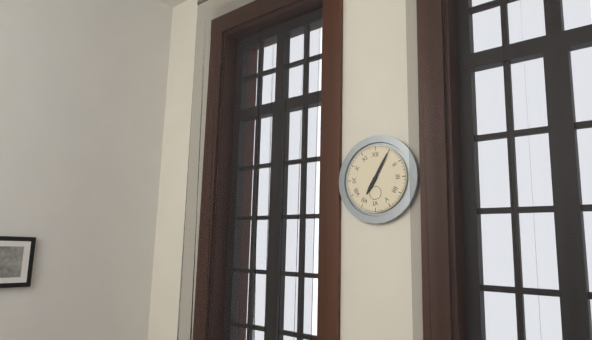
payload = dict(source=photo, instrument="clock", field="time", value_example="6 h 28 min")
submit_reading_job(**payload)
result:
7 h 05 min
